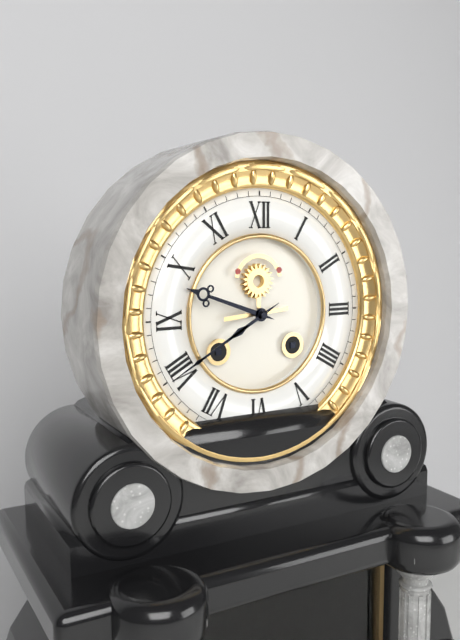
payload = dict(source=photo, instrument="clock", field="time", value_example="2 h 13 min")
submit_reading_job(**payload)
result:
9 h 40 min
